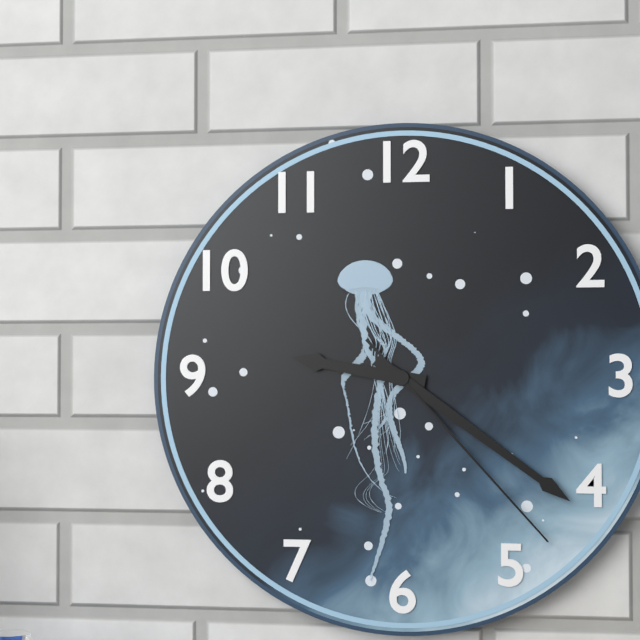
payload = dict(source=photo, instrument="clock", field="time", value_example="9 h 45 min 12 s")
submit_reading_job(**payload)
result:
9 h 21 min 23 s
